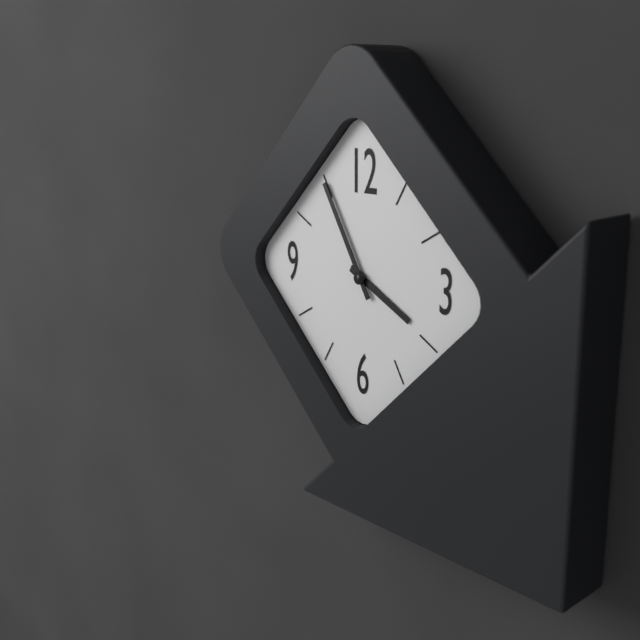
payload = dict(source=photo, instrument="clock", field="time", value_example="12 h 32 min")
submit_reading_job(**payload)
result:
3 h 55 min
